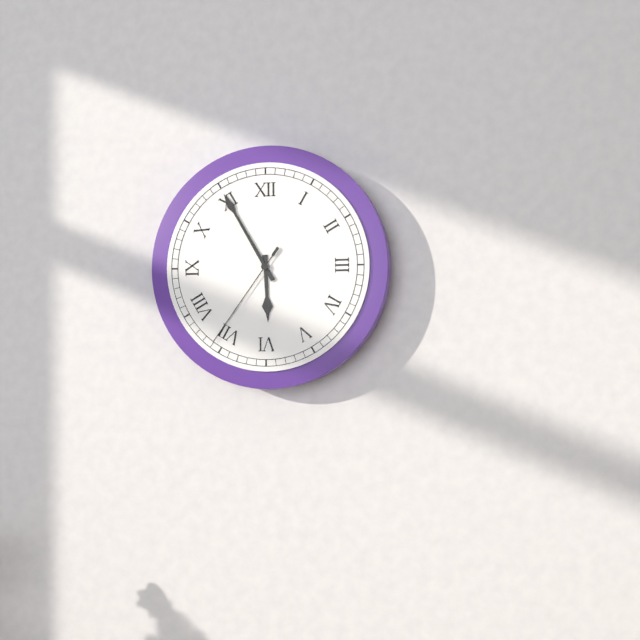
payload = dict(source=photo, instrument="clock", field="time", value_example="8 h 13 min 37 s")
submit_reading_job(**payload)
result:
5 h 55 min 36 s
